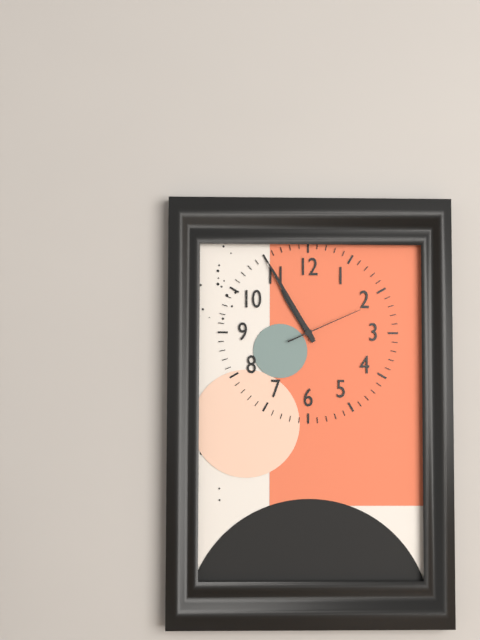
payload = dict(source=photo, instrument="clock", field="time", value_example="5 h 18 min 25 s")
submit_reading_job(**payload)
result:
10 h 55 min 11 s
